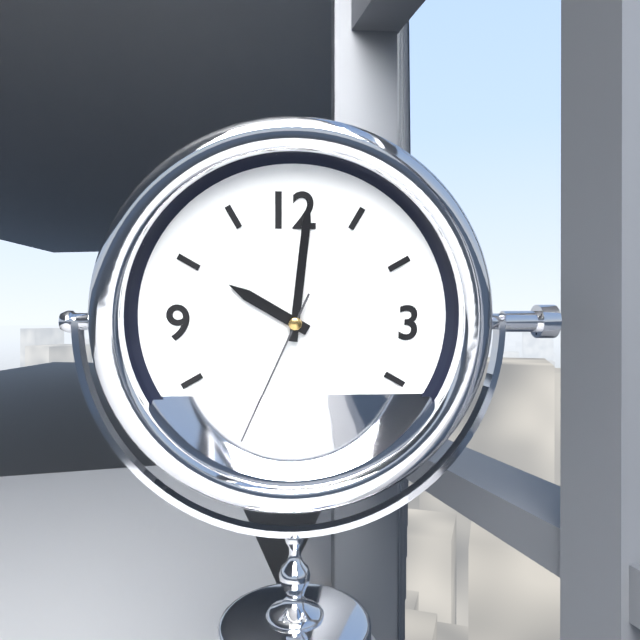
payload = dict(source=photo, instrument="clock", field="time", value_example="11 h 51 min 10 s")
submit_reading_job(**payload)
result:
10 h 01 min 34 s
